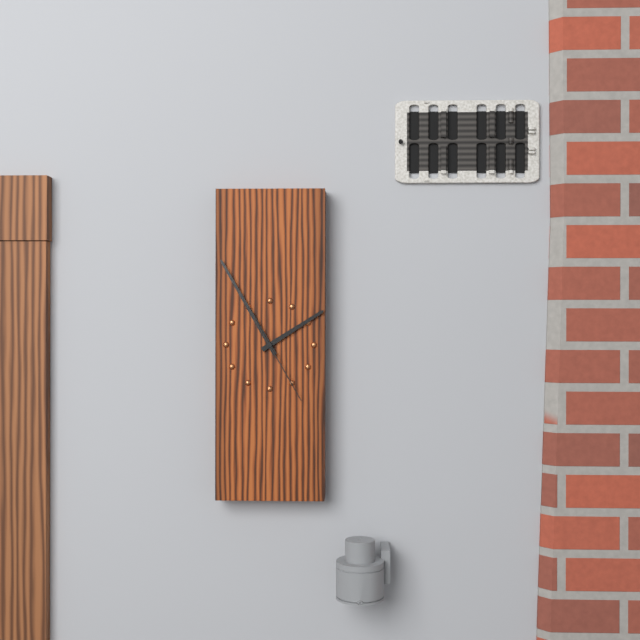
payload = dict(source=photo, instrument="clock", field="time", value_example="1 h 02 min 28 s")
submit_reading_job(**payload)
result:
1 h 55 min 25 s
